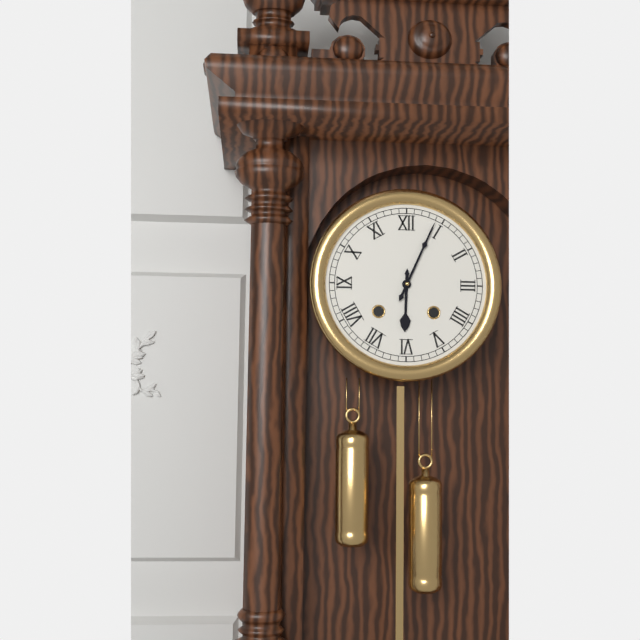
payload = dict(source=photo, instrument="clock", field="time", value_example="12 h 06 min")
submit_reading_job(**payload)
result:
6 h 04 min
